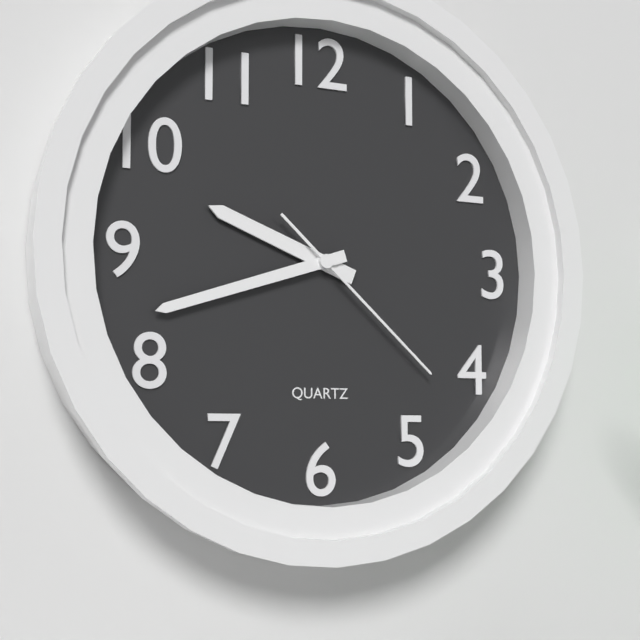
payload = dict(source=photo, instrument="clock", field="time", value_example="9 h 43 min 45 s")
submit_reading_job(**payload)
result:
9 h 42 min 22 s
